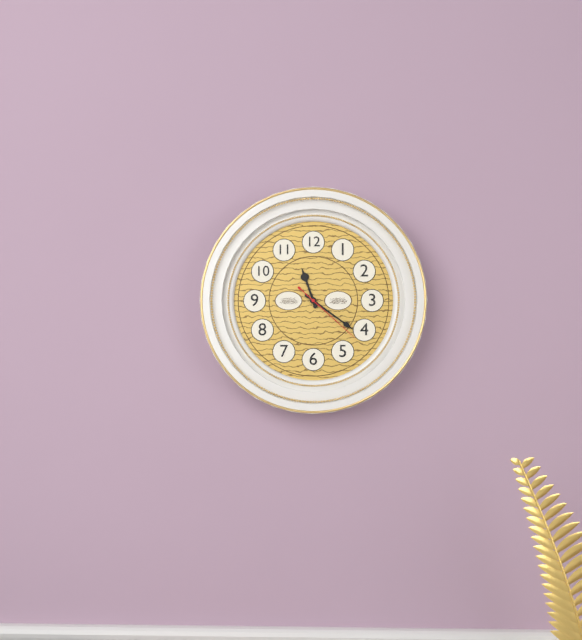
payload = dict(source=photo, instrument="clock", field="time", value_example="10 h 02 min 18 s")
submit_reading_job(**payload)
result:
11 h 21 min 22 s
